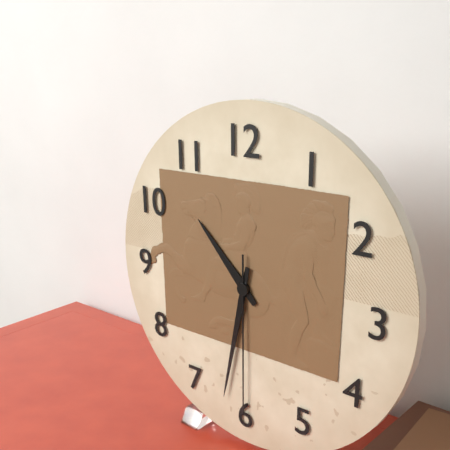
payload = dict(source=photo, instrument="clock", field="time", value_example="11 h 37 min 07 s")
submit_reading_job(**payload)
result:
10 h 32 min 30 s
